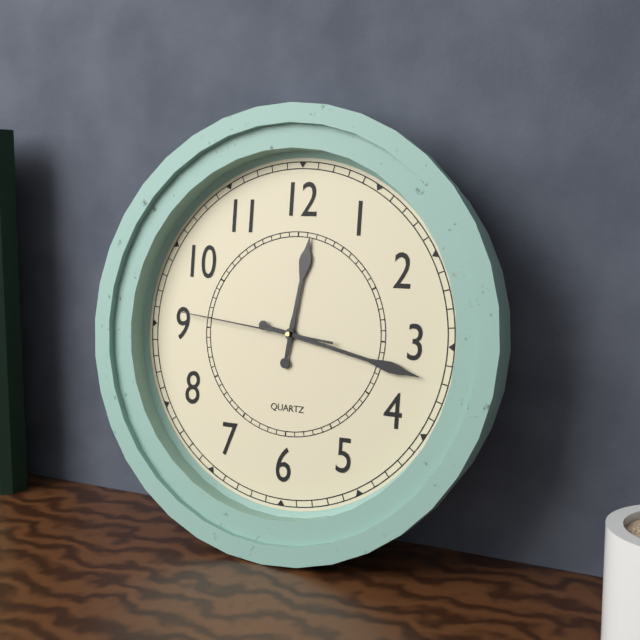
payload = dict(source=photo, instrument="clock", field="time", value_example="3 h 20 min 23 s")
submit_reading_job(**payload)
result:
12 h 17 min 46 s
